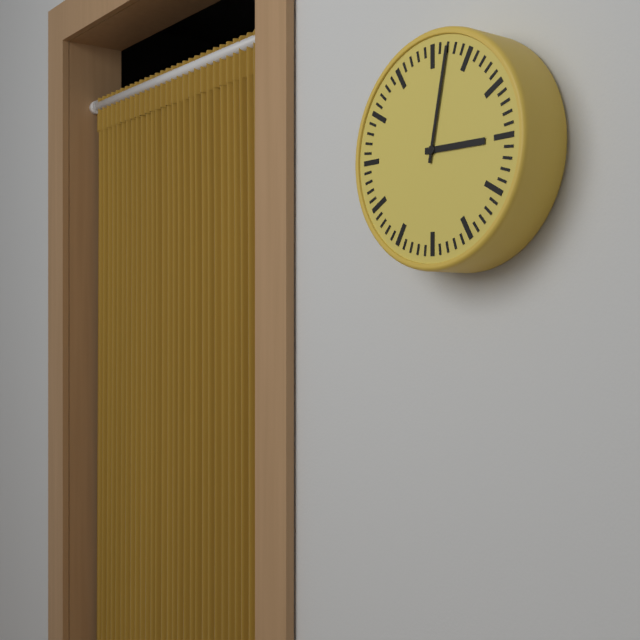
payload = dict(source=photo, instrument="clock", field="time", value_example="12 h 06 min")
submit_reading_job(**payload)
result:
3 h 02 min
